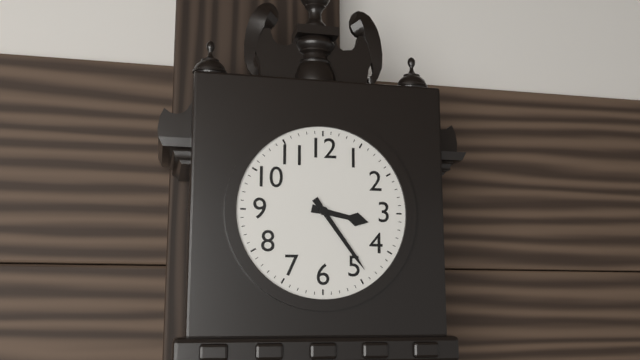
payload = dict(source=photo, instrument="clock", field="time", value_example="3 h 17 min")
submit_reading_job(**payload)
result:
3 h 24 min
